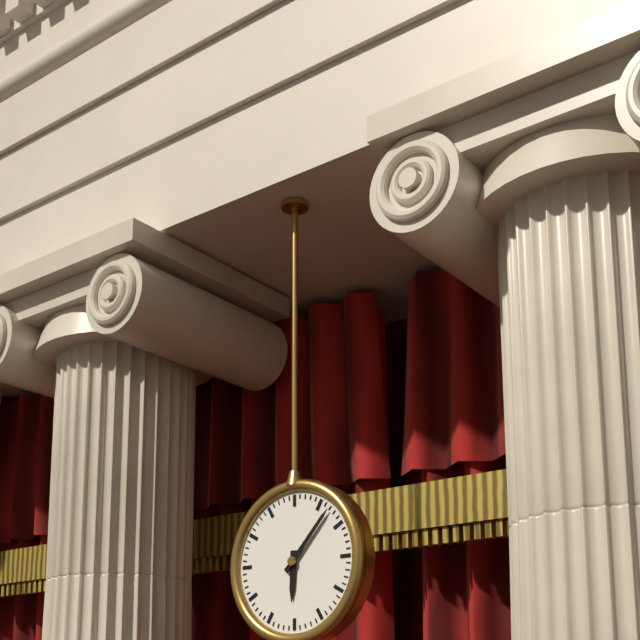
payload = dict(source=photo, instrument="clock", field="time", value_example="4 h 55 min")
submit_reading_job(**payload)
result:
6 h 07 min
